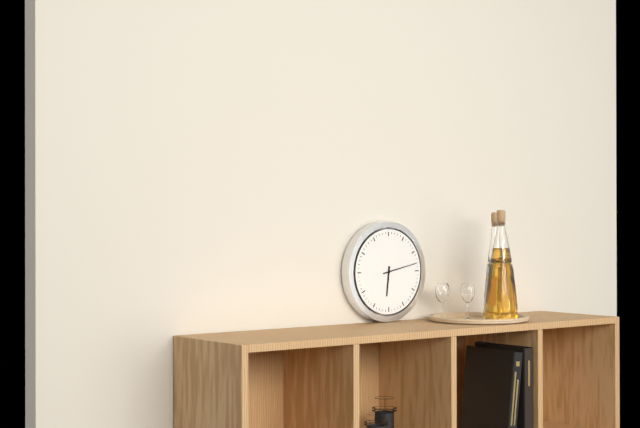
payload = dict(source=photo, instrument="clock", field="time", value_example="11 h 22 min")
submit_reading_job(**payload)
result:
6 h 13 min
